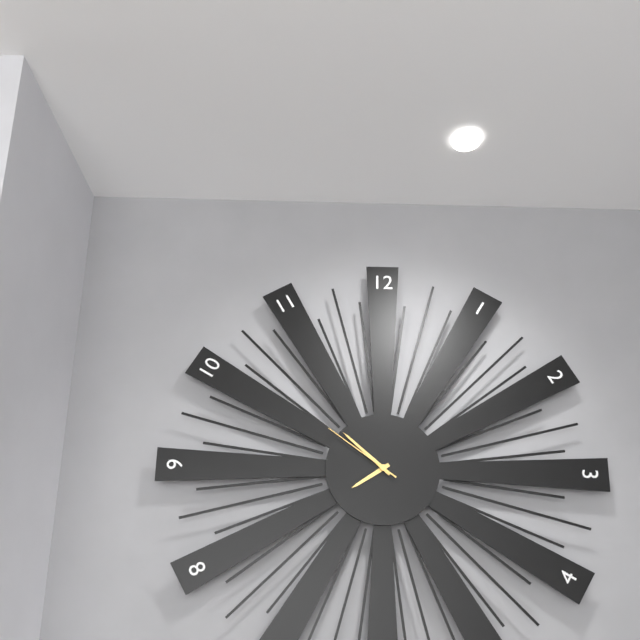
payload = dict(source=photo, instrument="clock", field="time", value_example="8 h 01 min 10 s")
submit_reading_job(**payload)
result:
7 h 52 min 51 s
